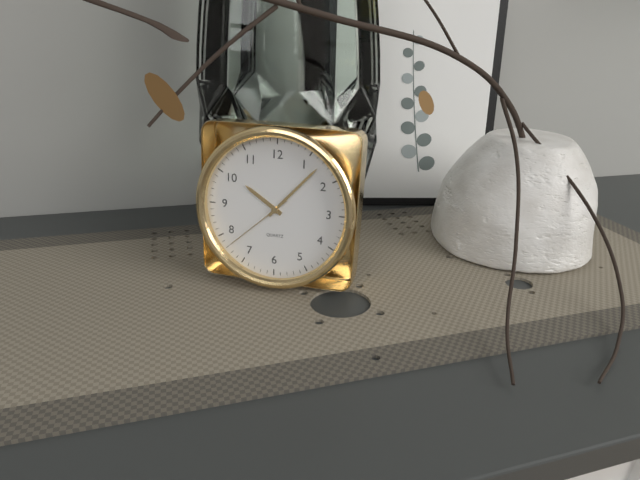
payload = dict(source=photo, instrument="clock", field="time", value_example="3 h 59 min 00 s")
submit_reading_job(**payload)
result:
10 h 07 min 38 s
